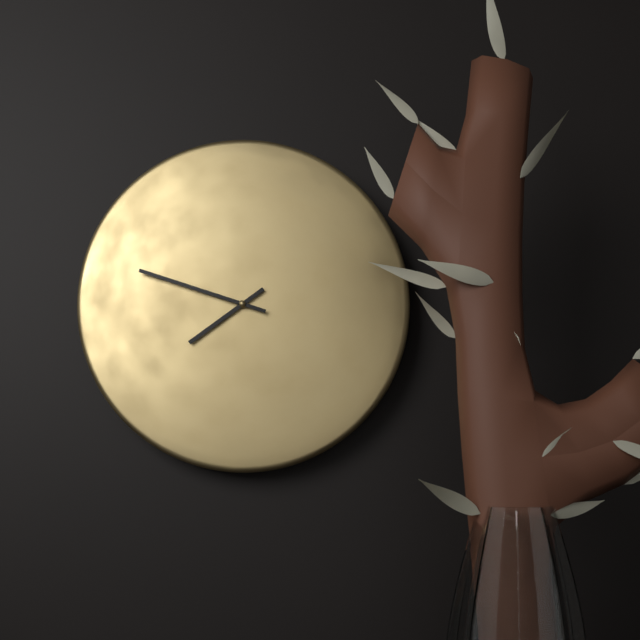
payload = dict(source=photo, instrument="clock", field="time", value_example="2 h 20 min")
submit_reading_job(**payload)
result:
7 h 48 min
